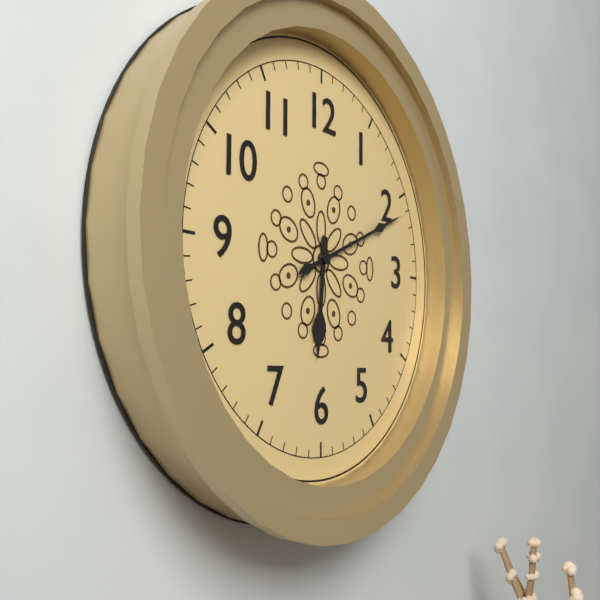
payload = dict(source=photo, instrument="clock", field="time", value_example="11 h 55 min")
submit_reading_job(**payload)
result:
6 h 11 min
